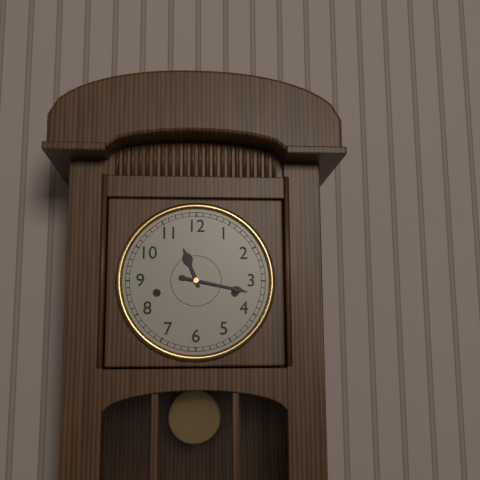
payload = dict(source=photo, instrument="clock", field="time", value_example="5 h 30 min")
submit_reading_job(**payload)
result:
11 h 17 min
